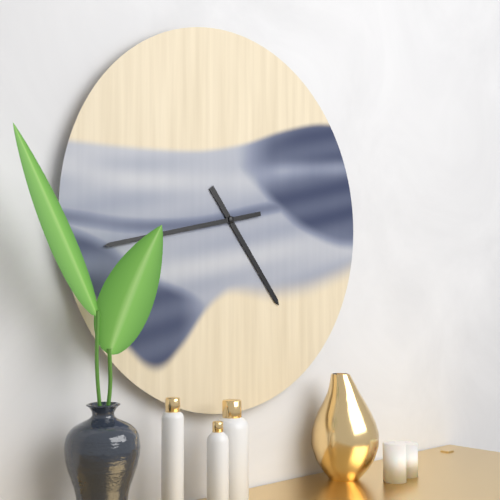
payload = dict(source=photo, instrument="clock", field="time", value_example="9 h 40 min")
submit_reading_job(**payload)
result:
4 h 43 min
